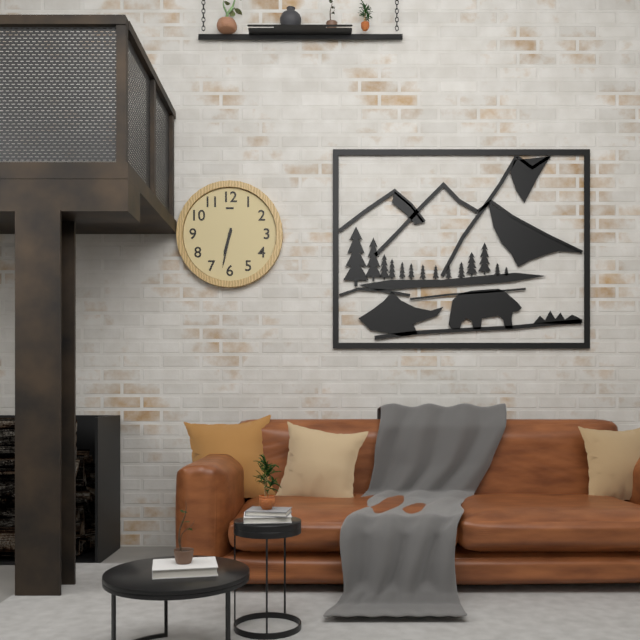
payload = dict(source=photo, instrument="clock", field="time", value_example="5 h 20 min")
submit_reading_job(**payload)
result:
6 h 32 min
